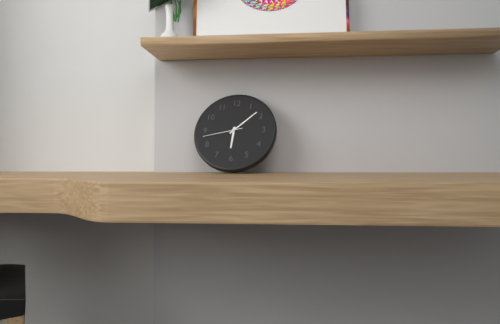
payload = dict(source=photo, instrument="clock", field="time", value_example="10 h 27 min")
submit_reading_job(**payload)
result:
6 h 08 min
